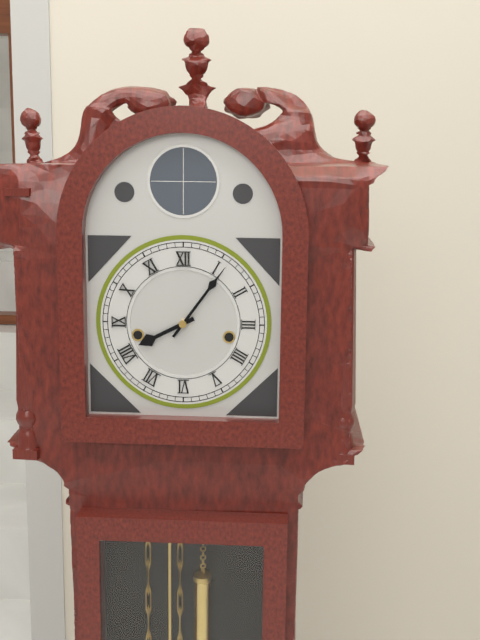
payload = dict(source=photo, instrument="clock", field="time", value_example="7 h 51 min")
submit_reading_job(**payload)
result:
8 h 06 min
